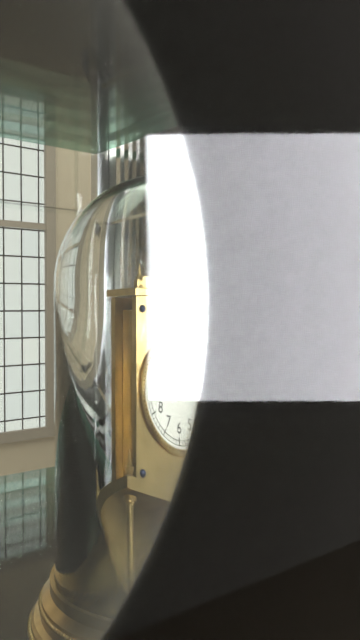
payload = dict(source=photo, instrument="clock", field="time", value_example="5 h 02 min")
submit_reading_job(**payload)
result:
9 h 03 min
